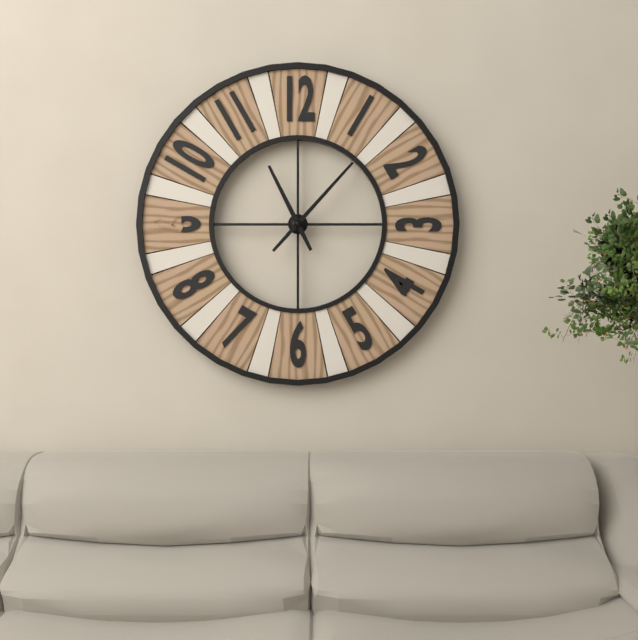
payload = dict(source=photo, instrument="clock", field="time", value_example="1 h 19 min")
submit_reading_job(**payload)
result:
11 h 07 min
